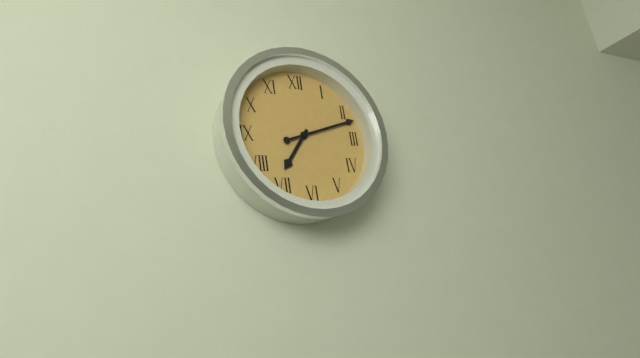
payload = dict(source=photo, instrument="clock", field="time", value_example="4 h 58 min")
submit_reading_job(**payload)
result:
7 h 12 min
